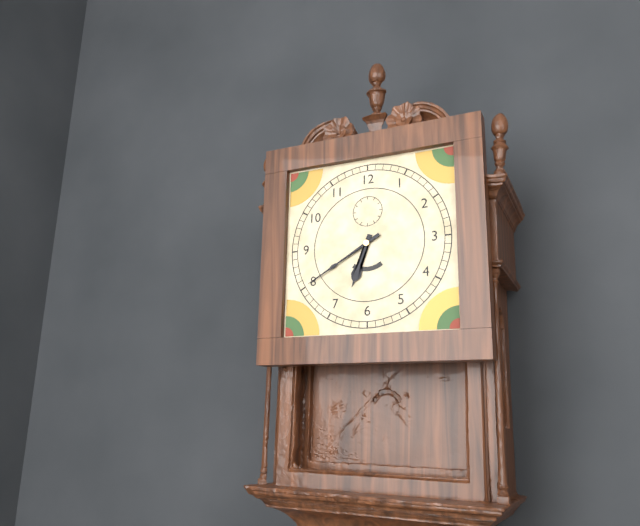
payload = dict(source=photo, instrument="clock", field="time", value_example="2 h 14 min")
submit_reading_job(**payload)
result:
6 h 40 min
